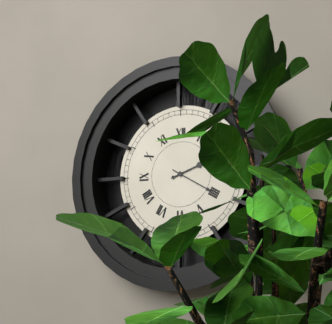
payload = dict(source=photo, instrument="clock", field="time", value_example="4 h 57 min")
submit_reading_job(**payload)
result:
2 h 20 min
